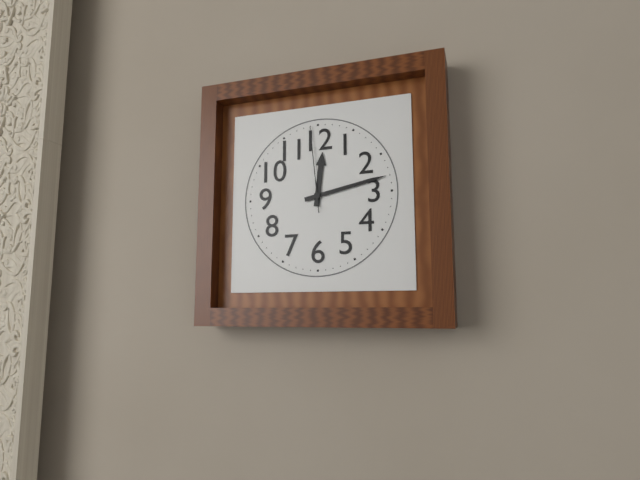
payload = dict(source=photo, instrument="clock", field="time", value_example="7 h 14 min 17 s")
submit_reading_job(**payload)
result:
12 h 13 min 59 s
